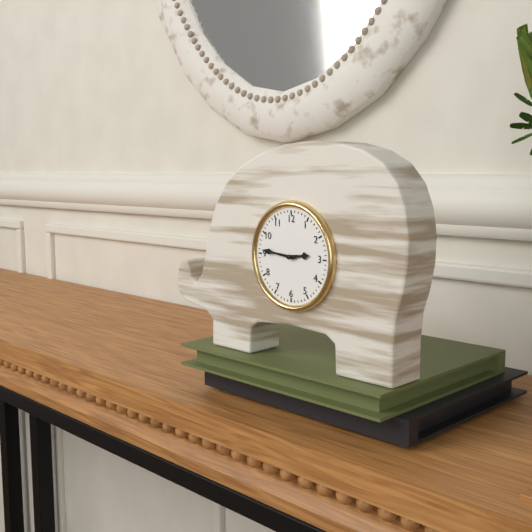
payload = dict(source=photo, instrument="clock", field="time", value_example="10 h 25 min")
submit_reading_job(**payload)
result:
2 h 46 min
